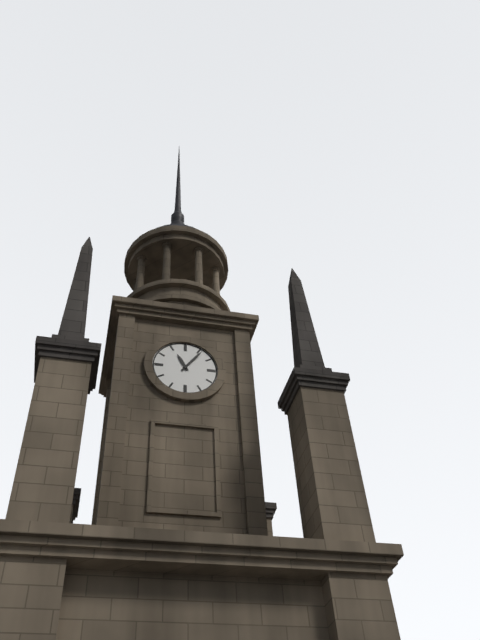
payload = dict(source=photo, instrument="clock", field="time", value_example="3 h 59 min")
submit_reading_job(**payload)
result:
11 h 06 min
